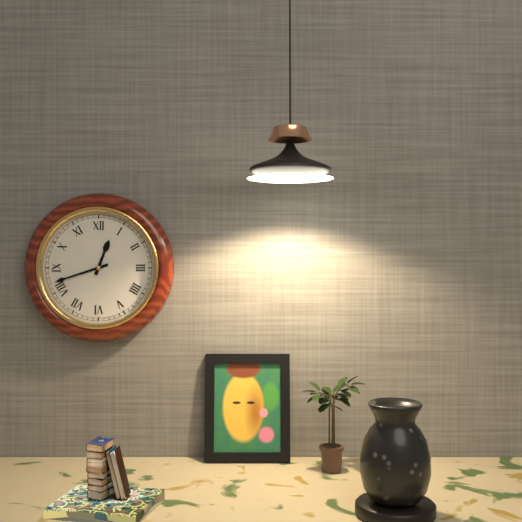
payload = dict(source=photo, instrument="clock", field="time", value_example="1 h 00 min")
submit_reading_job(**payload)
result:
12 h 42 min
